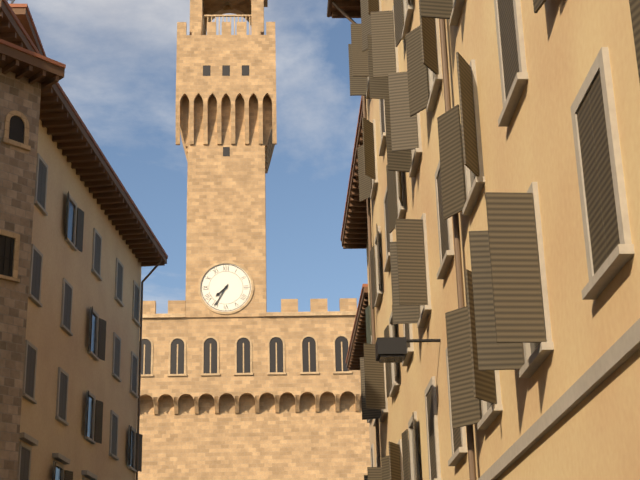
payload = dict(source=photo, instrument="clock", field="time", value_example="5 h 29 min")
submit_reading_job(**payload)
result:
7 h 35 min
